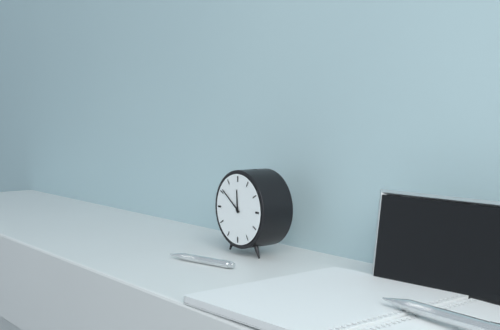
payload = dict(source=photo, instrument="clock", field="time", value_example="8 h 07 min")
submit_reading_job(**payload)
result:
11 h 51 min
